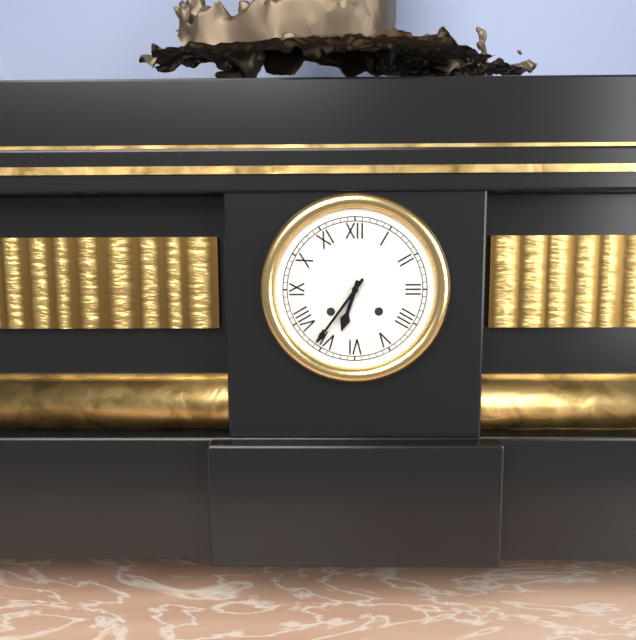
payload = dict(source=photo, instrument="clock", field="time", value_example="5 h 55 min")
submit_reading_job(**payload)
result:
6 h 36 min
